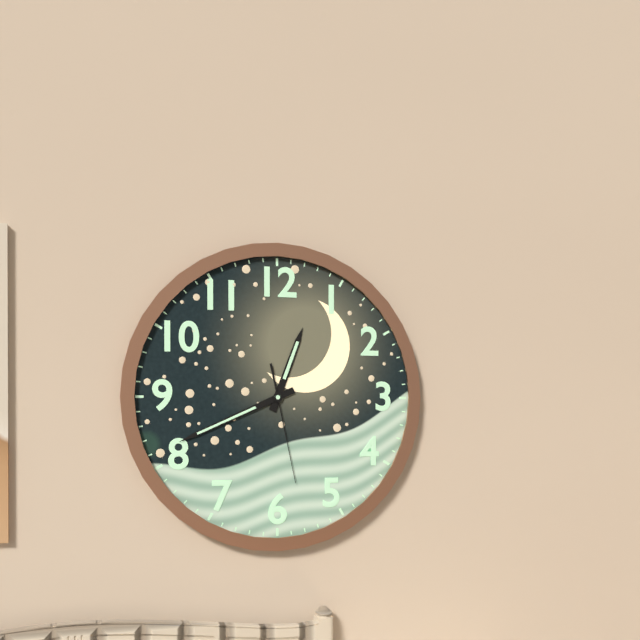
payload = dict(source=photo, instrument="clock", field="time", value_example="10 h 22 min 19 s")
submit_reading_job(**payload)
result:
12 h 41 min 28 s
